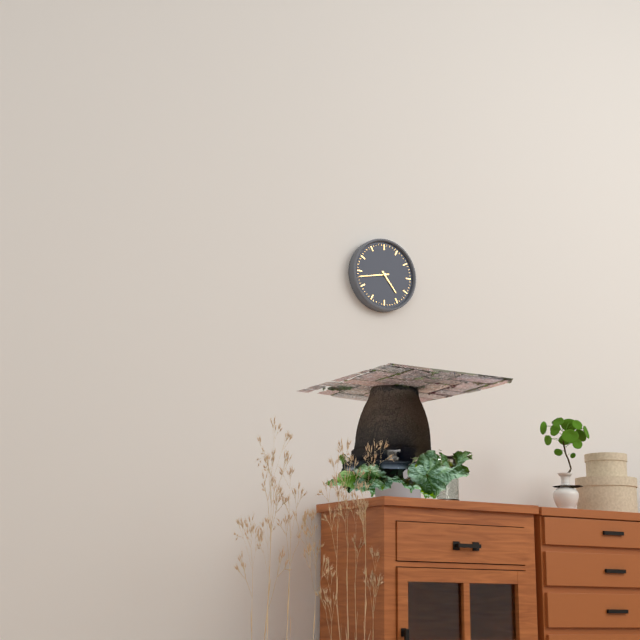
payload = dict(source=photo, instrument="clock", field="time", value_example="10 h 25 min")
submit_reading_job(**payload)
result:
4 h 43 min
